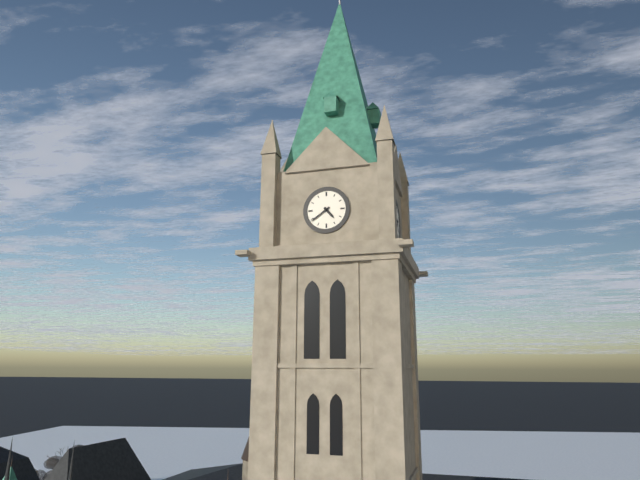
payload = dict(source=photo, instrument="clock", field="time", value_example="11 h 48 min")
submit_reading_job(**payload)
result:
4 h 39 min
